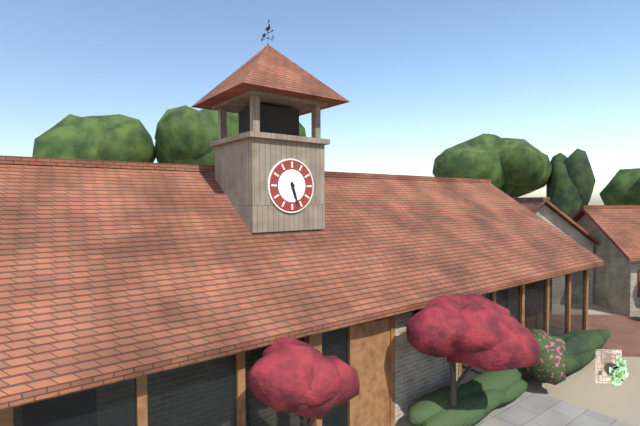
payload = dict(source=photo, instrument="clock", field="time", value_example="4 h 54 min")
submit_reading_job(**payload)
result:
5 h 27 min
